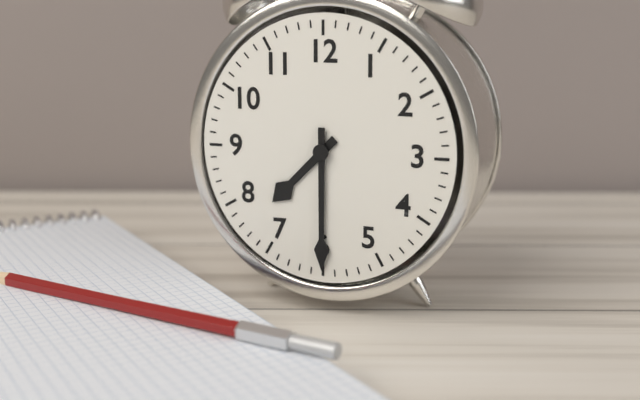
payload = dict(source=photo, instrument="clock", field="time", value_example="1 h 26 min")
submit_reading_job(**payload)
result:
7 h 30 min
